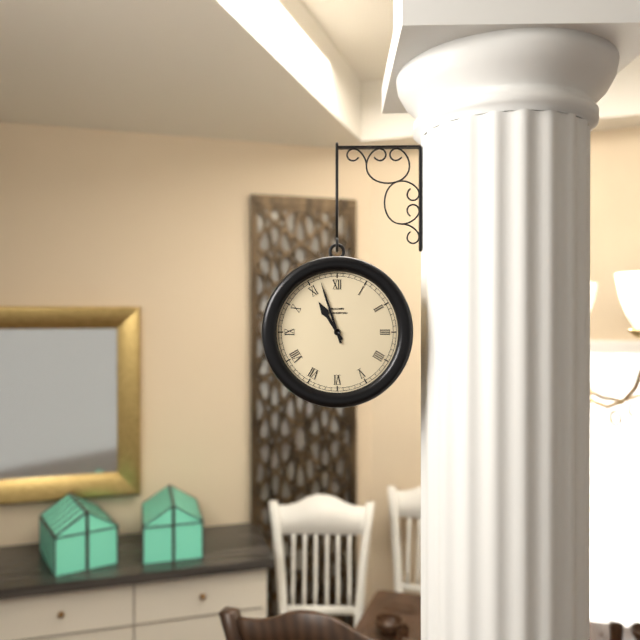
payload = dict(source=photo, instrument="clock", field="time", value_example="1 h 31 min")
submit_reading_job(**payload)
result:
10 h 57 min
